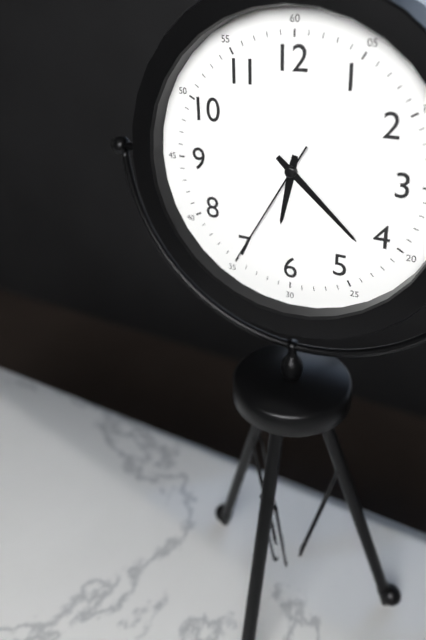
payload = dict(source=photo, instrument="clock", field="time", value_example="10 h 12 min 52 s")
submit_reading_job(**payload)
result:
6 h 22 min 35 s
